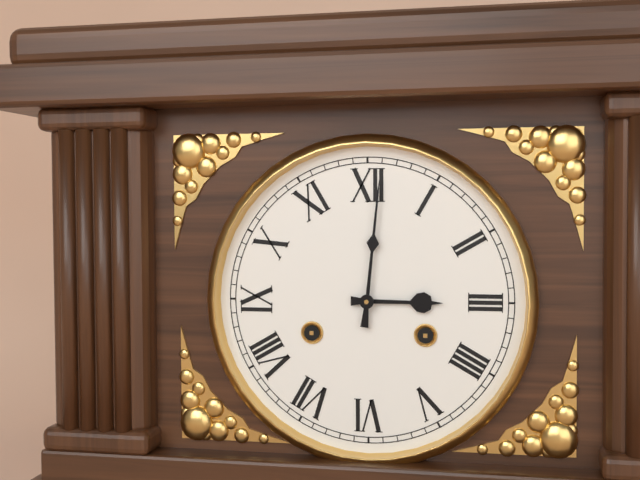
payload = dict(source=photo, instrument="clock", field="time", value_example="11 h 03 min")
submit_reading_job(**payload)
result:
3 h 01 min
